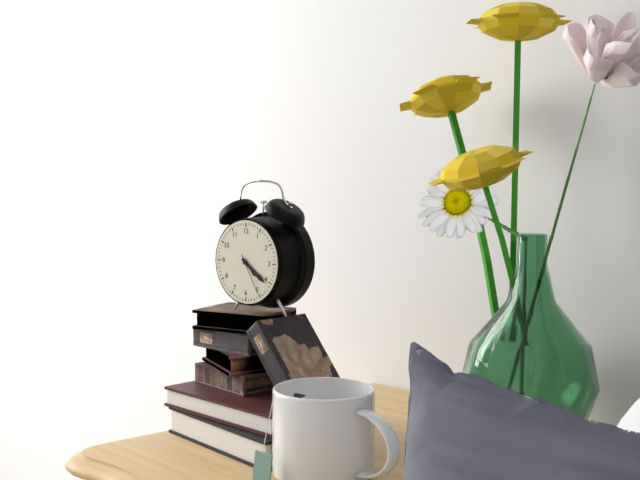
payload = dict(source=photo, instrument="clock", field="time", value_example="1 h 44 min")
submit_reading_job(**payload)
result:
4 h 21 min
